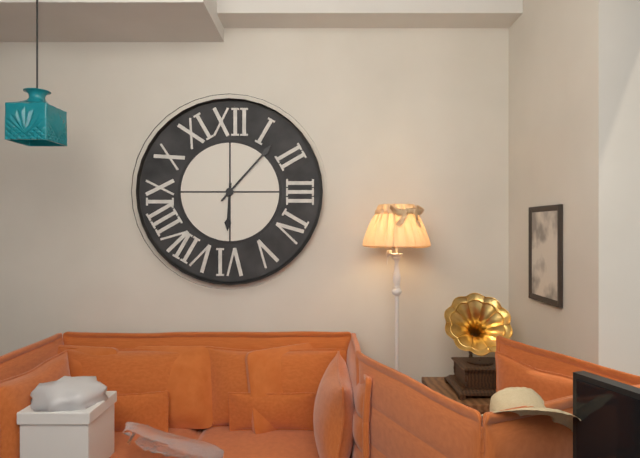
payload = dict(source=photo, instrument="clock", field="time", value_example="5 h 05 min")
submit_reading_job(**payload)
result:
6 h 07 min
